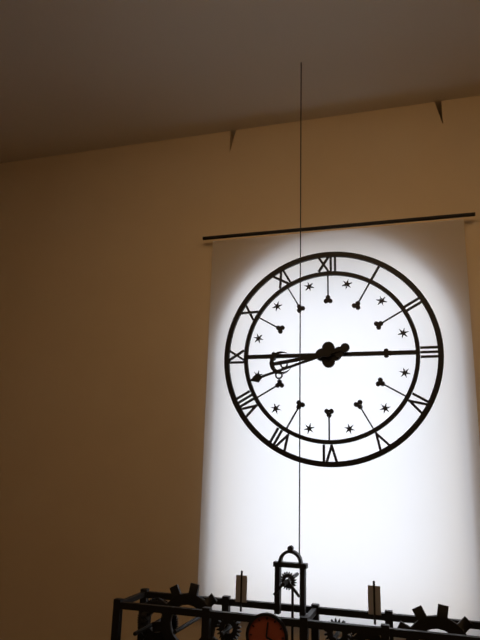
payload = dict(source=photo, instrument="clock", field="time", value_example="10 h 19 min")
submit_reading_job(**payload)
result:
8 h 42 min
